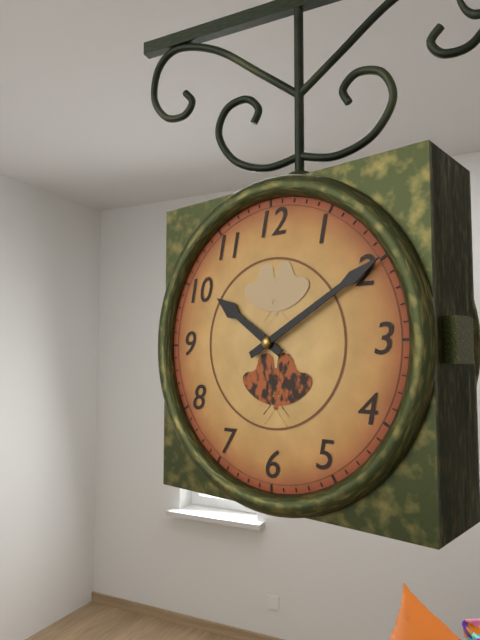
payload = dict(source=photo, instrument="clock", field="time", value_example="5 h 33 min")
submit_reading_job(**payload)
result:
10 h 10 min
